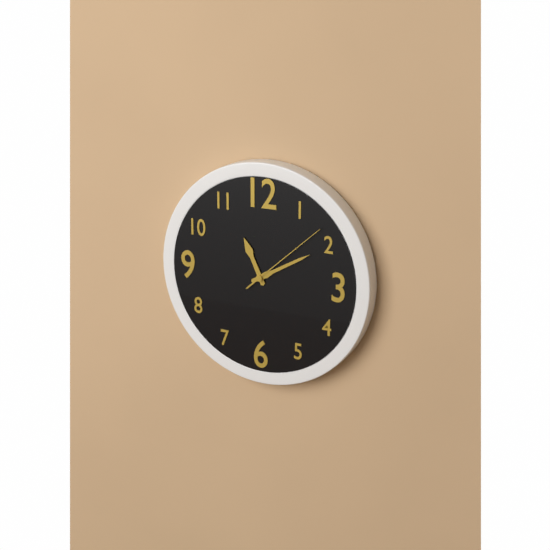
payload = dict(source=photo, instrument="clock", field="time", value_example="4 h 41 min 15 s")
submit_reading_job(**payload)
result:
11 h 10 min 08 s
